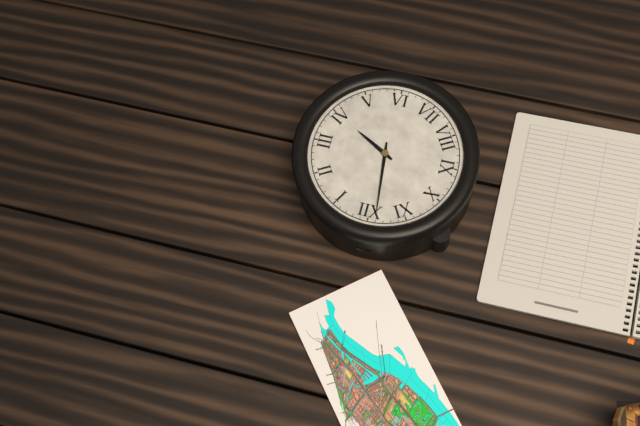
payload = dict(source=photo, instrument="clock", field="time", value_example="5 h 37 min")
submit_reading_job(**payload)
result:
3 h 59 min
